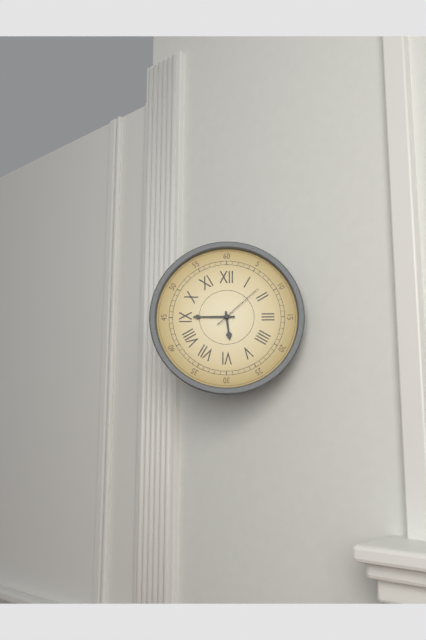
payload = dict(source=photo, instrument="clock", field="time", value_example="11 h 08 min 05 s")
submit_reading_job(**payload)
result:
5 h 45 min 08 s
